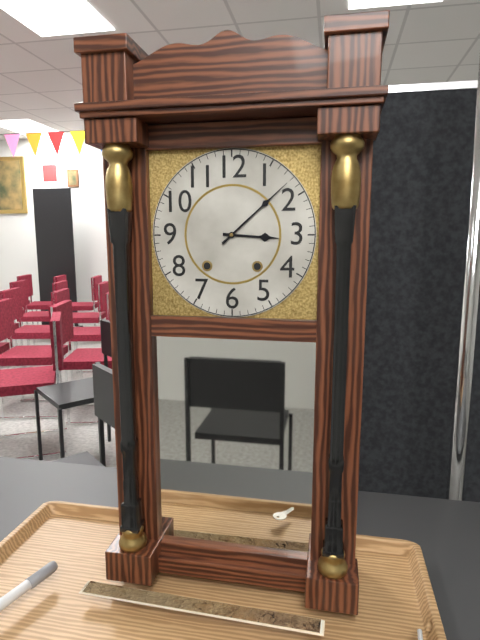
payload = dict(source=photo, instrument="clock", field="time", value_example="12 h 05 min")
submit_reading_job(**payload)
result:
3 h 08 min
